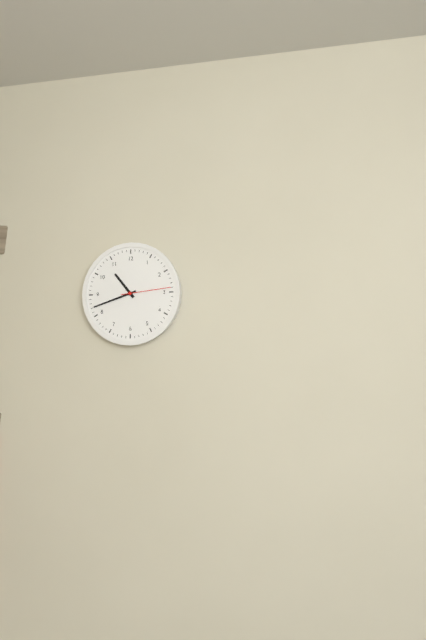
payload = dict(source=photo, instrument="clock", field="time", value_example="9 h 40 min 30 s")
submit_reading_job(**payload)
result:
10 h 42 min 14 s
